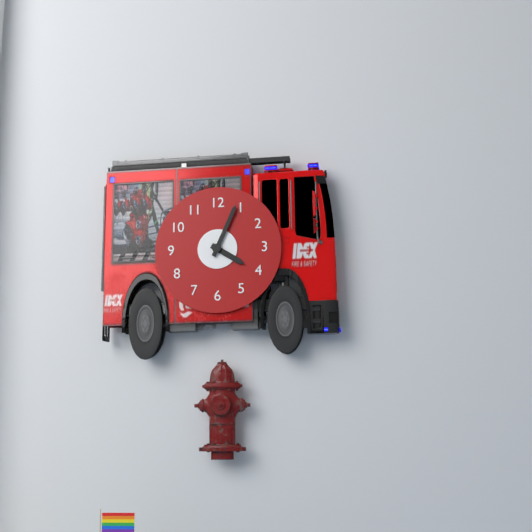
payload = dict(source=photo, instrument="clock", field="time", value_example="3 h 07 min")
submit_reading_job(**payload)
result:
4 h 04 min
